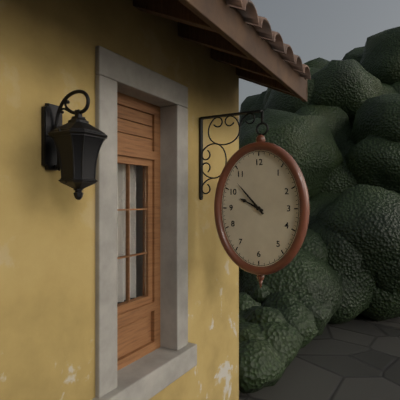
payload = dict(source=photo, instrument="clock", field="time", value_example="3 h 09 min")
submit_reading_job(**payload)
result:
9 h 53 min
